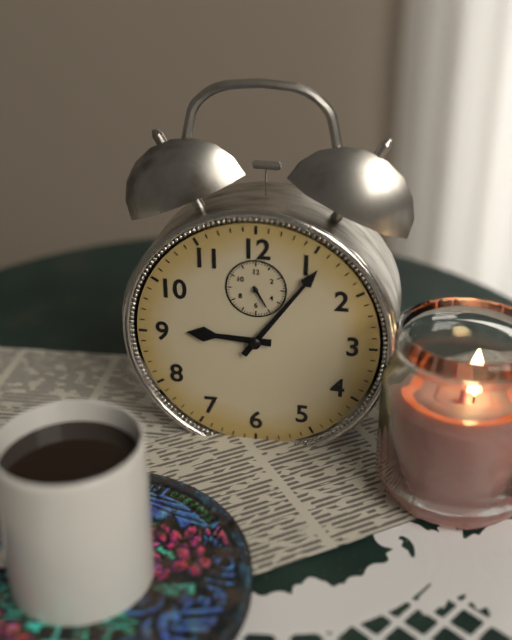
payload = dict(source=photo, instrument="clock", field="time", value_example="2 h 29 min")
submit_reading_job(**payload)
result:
9 h 06 min
